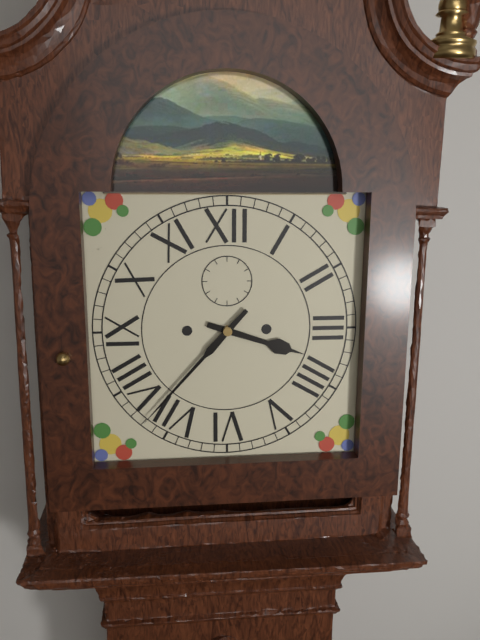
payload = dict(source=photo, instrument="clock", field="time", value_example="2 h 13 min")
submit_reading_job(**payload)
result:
3 h 37 min
